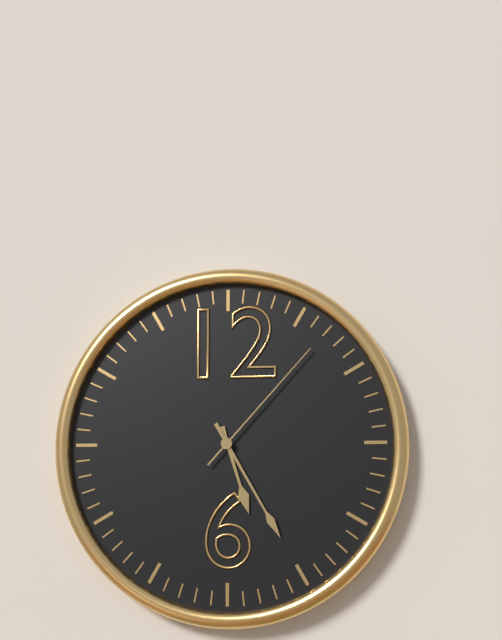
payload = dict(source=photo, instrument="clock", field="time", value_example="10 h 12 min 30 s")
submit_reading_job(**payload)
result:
5 h 25 min 07 s
